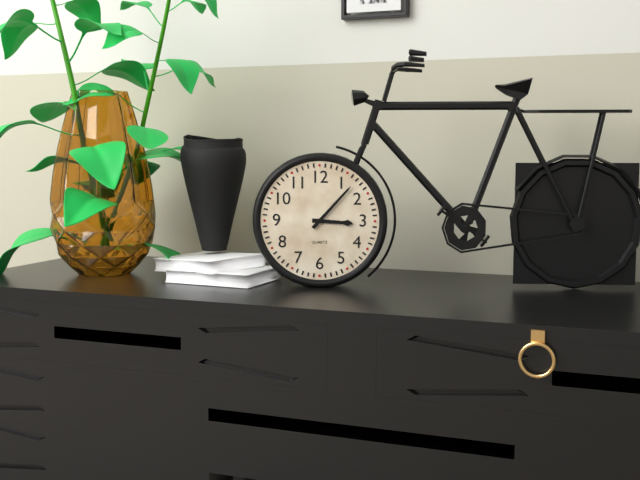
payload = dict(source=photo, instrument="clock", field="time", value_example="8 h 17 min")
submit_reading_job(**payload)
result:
3 h 07 min
